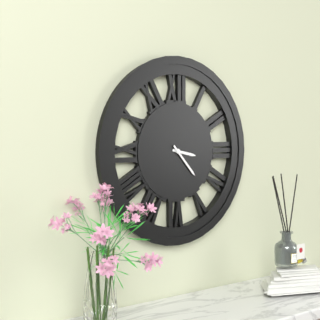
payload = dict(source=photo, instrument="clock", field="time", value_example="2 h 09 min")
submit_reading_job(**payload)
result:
3 h 23 min
